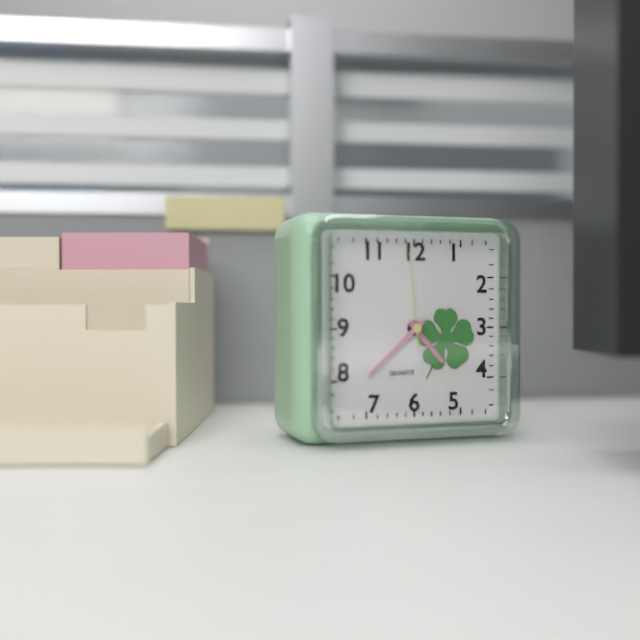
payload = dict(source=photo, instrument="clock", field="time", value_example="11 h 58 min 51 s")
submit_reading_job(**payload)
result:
4 h 38 min 59 s
